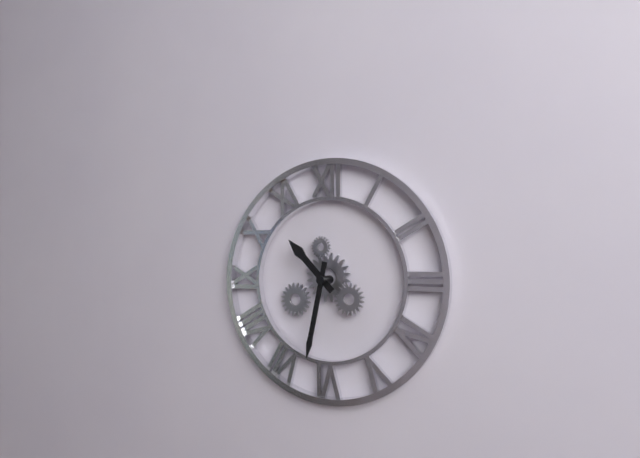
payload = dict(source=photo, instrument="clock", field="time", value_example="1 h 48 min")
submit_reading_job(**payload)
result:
10 h 32 min
